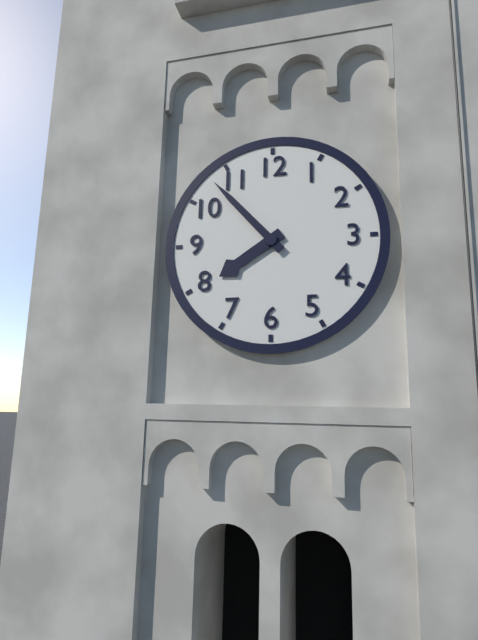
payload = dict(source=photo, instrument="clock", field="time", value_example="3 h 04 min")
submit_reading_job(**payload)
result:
7 h 53 min
